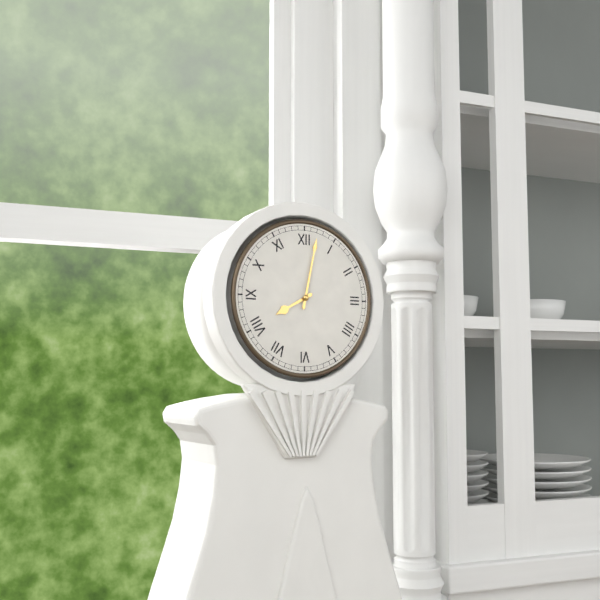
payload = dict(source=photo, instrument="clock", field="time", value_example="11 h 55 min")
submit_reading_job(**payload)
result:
8 h 02 min
